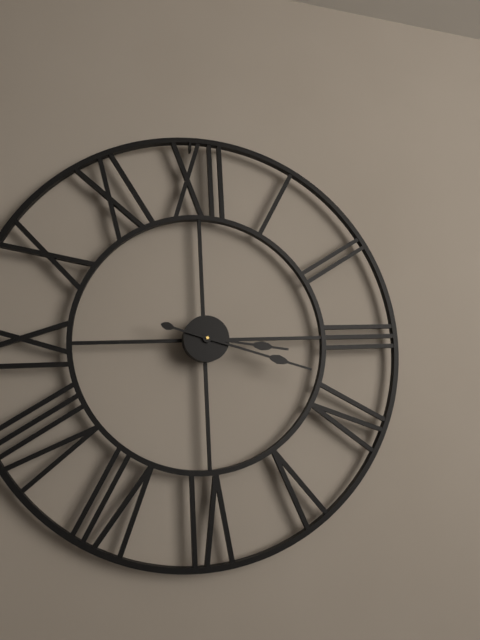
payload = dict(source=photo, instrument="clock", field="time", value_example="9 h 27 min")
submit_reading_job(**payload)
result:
3 h 18 min
